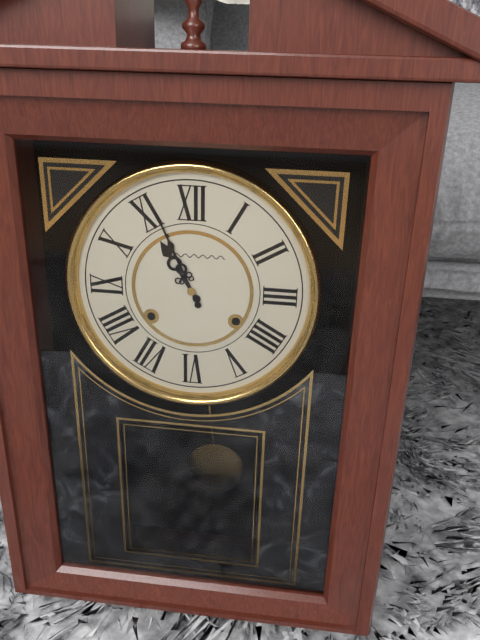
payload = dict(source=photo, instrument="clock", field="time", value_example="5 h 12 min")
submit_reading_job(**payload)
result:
10 h 56 min
